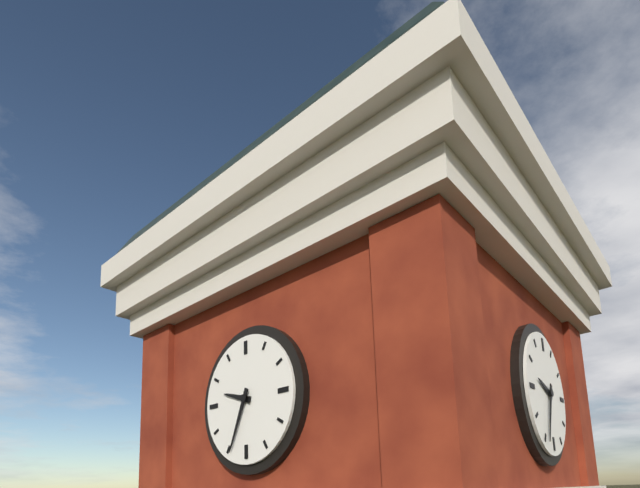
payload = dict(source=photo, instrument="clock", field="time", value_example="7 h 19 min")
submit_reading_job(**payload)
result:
9 h 34 min
